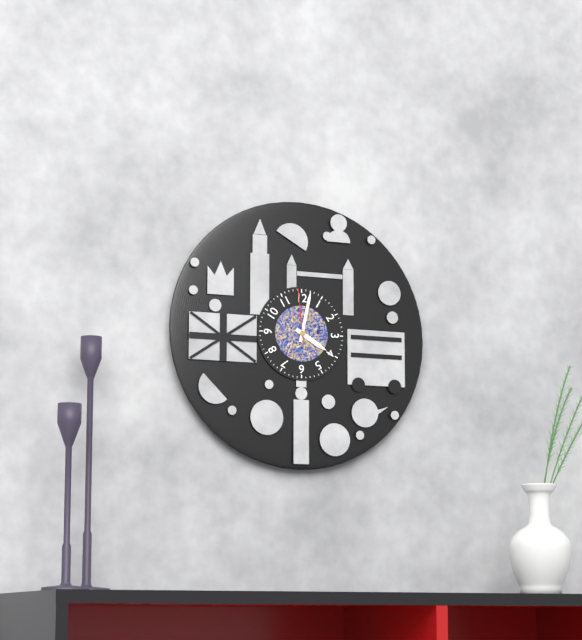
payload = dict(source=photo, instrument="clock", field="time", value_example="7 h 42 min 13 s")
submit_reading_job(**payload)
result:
4 h 02 min 59 s
